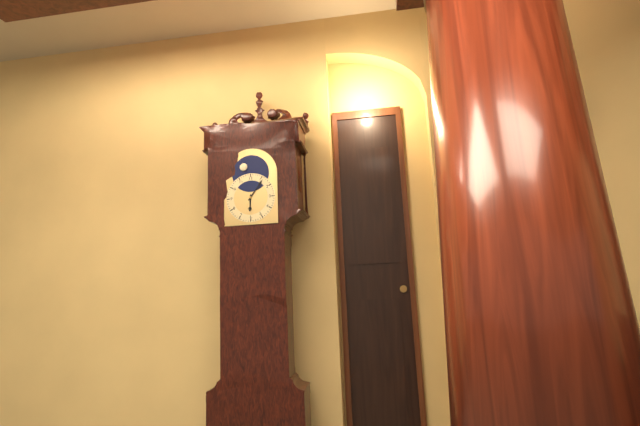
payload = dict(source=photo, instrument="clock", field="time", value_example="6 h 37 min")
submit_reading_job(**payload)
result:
6 h 06 min
